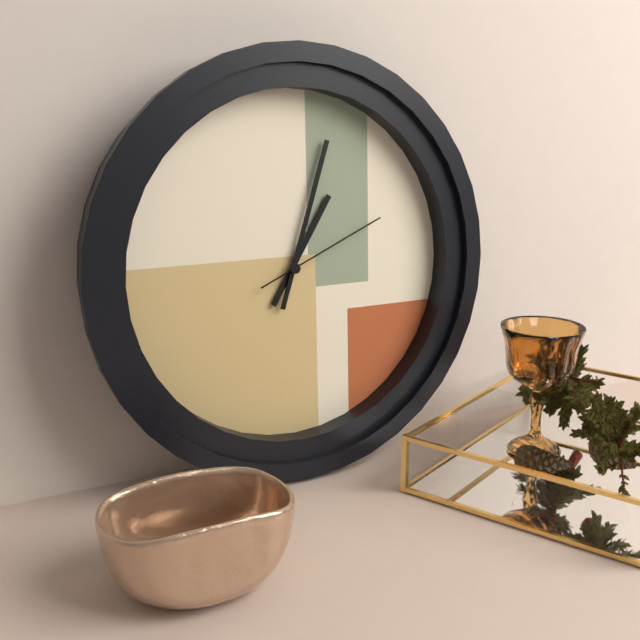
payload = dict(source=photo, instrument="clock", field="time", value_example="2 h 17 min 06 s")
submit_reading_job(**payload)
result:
1 h 03 min 11 s
